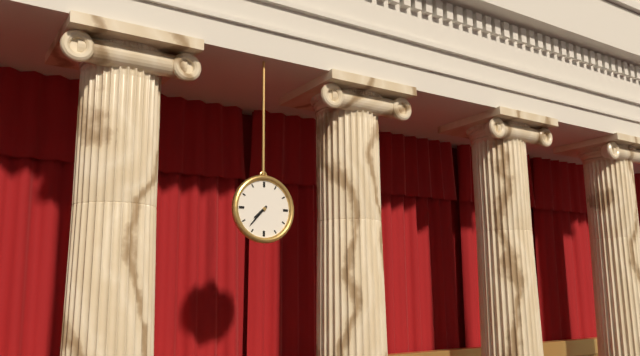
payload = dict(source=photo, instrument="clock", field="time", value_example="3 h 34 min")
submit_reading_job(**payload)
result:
7 h 37 min
